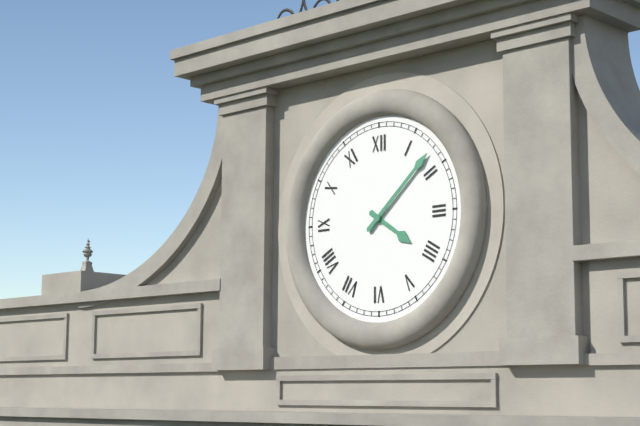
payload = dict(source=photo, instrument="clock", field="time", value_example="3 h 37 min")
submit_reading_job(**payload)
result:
4 h 08 min
